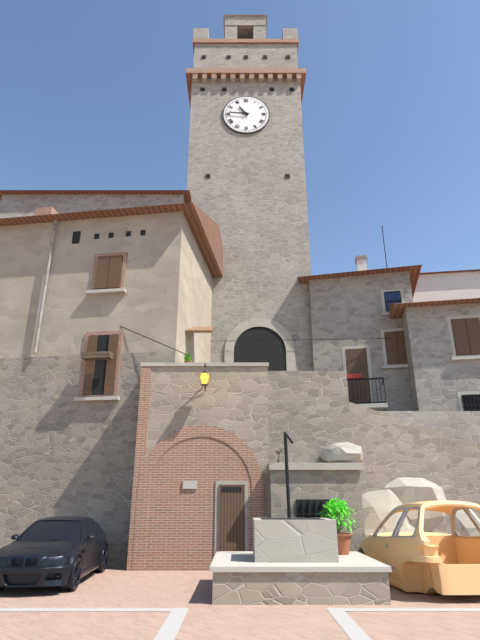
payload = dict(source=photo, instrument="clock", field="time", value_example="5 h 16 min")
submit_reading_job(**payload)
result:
10 h 46 min
